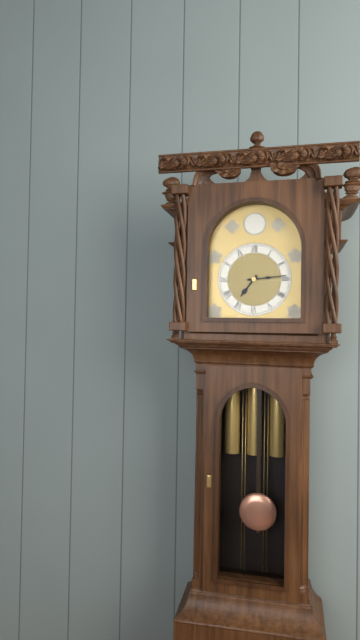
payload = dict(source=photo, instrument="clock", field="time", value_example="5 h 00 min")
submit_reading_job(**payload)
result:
7 h 14 min
